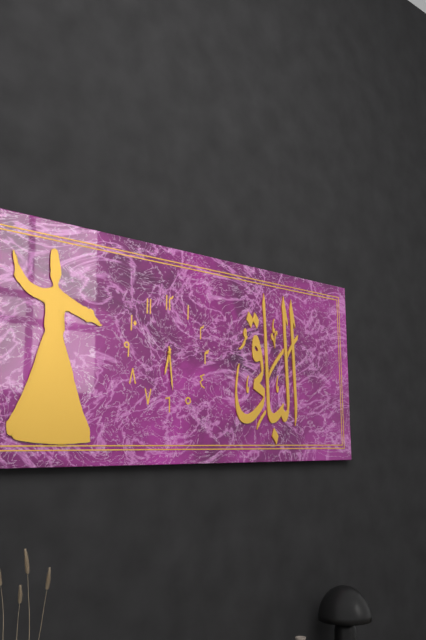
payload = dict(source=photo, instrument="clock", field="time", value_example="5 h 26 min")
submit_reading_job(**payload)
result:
6 h 29 min
